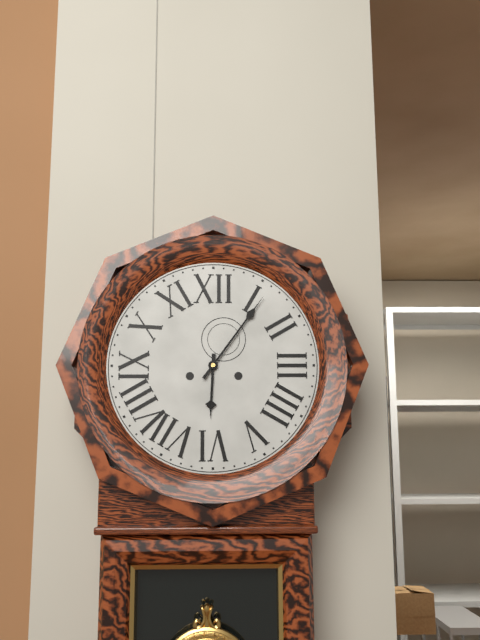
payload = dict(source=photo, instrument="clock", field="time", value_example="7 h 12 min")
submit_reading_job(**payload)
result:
6 h 06 min
